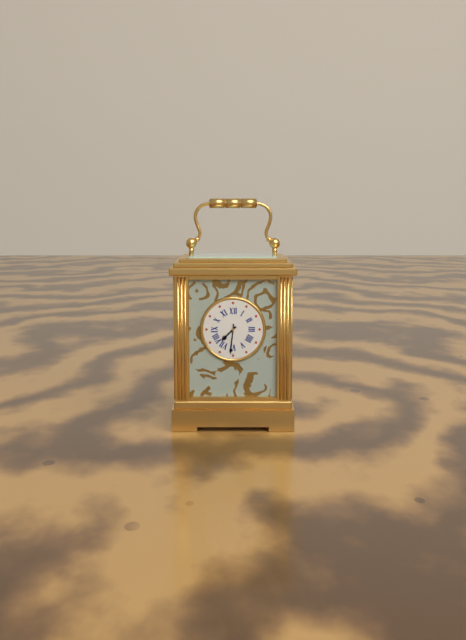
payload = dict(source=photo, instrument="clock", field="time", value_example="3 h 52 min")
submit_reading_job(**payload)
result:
7 h 31 min
